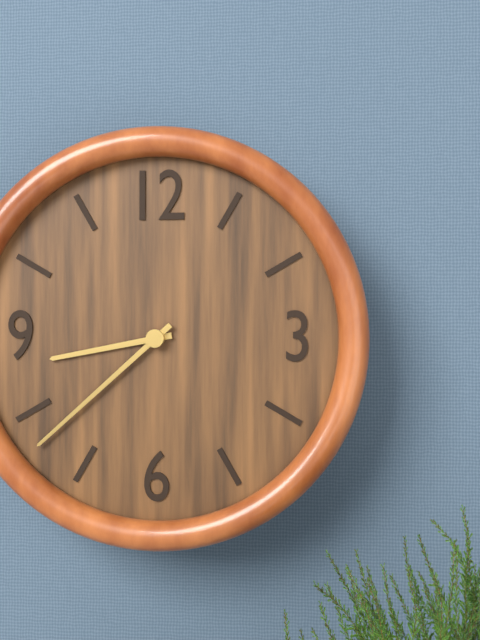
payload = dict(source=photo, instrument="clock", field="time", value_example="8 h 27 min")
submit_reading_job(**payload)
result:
8 h 38 min
